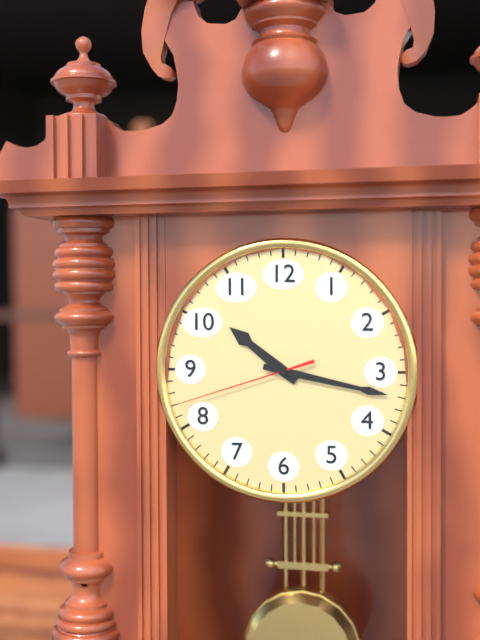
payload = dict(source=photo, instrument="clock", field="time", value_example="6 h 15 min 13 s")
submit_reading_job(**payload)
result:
10 h 17 min 42 s
